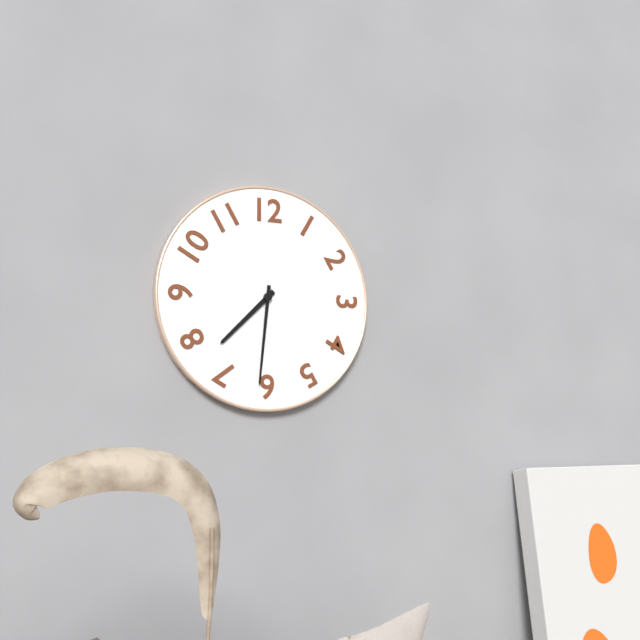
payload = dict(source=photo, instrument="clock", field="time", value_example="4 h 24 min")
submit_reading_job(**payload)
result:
7 h 31 min
